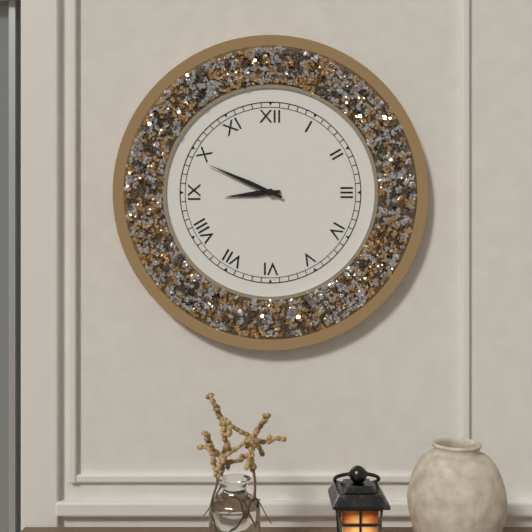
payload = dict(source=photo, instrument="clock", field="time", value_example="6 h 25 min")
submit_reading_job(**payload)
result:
8 h 49 min
